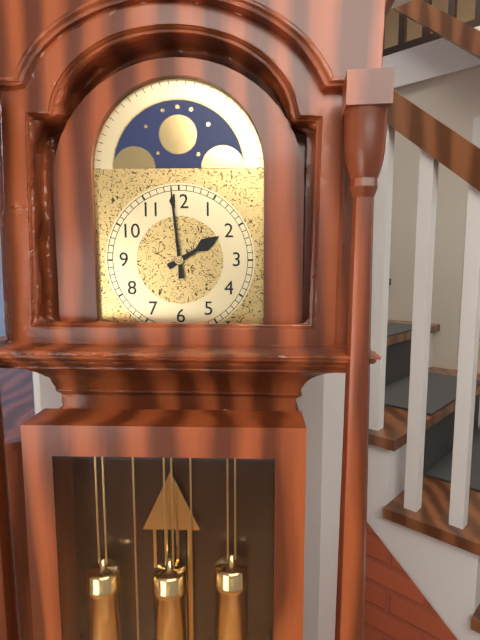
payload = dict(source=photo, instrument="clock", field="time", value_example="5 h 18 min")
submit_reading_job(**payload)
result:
1 h 59 min
